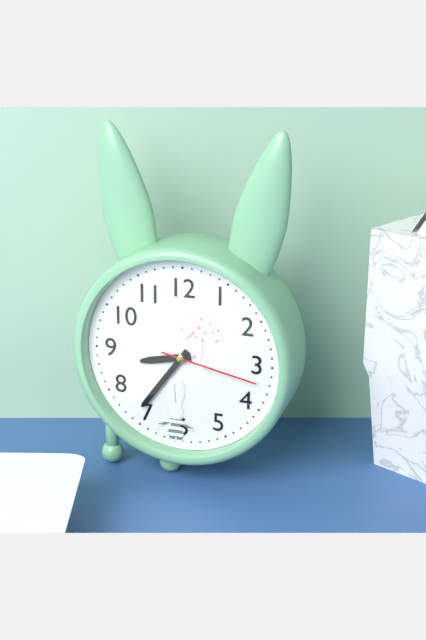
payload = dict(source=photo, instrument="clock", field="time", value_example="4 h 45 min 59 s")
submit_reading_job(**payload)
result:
8 h 36 min 17 s
